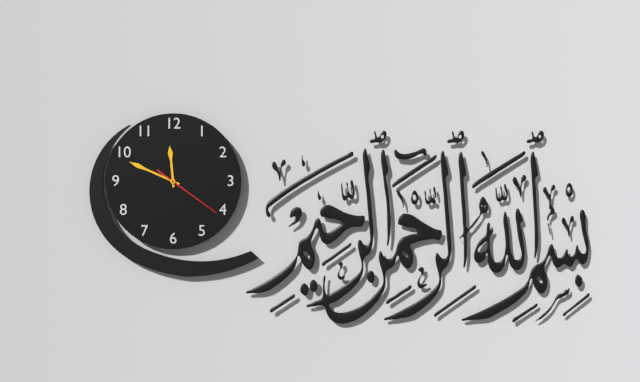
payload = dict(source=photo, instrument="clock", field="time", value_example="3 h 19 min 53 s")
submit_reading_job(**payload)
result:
11 h 49 min 21 s
